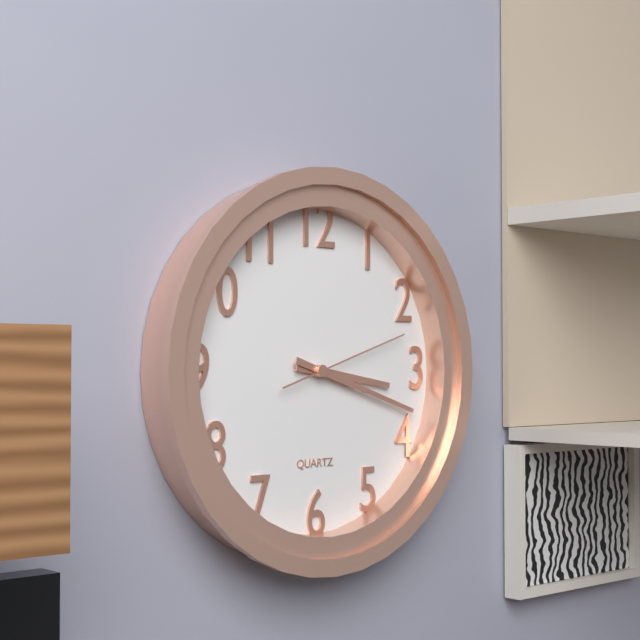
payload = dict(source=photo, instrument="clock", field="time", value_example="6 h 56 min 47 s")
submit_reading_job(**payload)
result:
3 h 18 min 12 s
